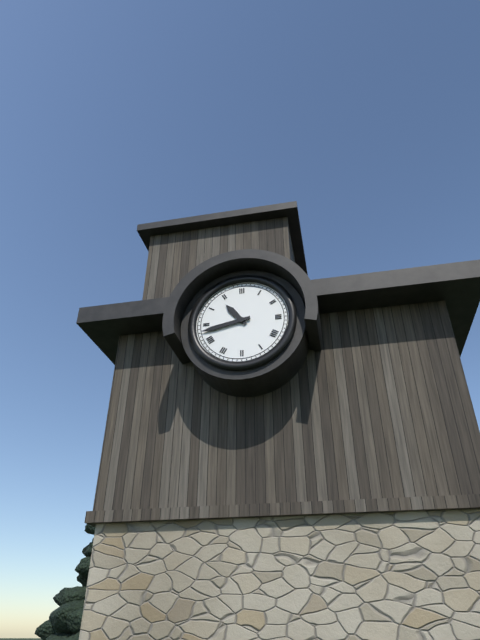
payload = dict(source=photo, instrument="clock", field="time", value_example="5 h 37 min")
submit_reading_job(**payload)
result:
10 h 43 min
